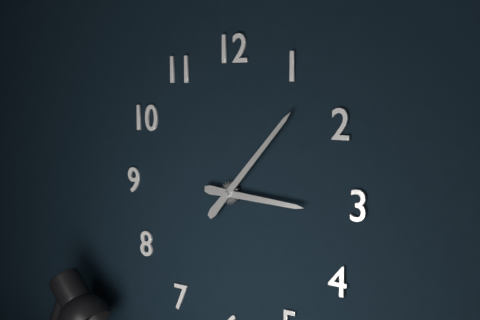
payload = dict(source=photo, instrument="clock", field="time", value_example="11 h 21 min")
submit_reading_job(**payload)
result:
3 h 07 min
